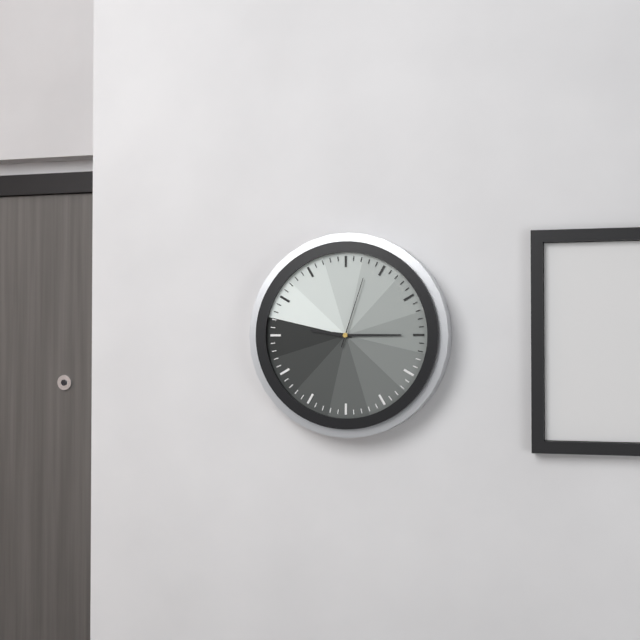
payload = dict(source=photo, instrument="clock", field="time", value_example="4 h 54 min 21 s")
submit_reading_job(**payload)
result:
9 h 15 min 03 s
